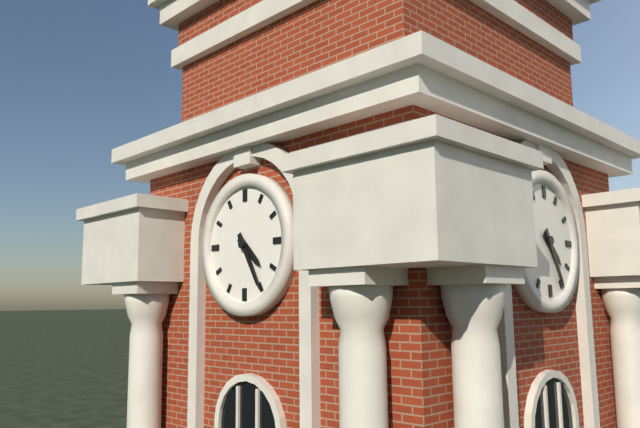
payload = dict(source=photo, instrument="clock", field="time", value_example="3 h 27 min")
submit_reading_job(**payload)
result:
4 h 25 min
